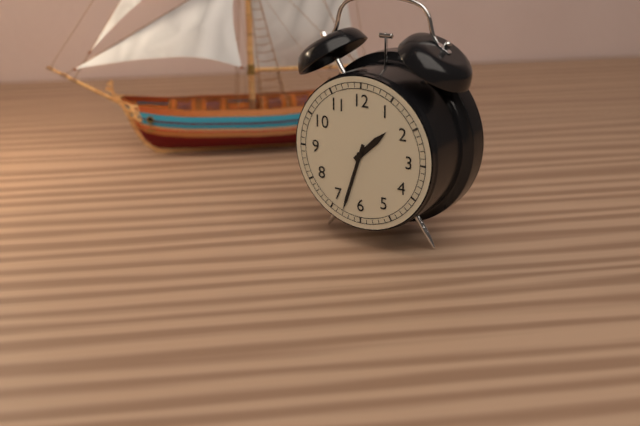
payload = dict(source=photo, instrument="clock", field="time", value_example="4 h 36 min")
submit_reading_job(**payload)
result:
1 h 33 min
